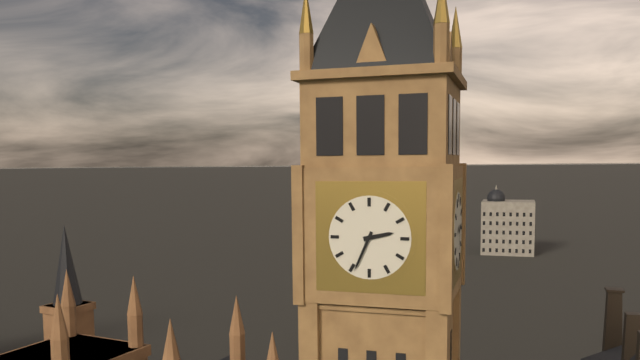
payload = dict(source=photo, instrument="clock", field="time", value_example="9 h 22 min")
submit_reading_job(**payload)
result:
2 h 34 min
